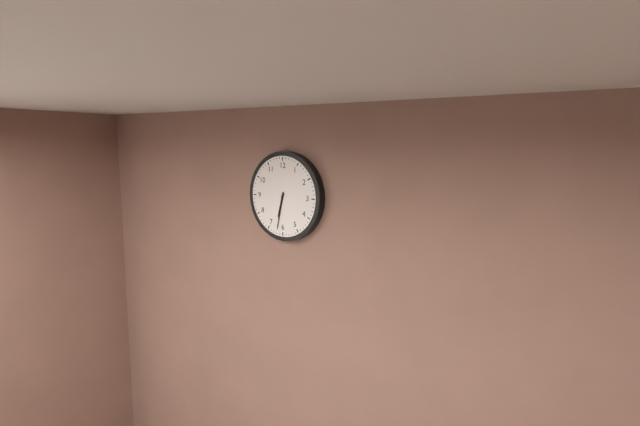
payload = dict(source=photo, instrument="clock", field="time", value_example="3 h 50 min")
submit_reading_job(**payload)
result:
6 h 32 min
